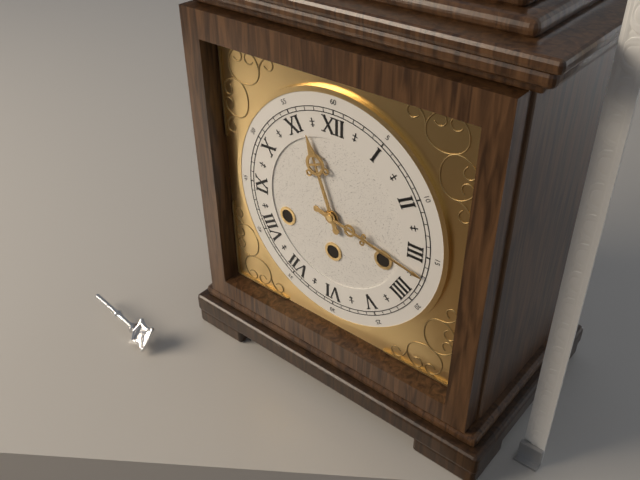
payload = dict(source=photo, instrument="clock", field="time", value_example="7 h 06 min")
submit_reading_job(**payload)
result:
11 h 17 min
